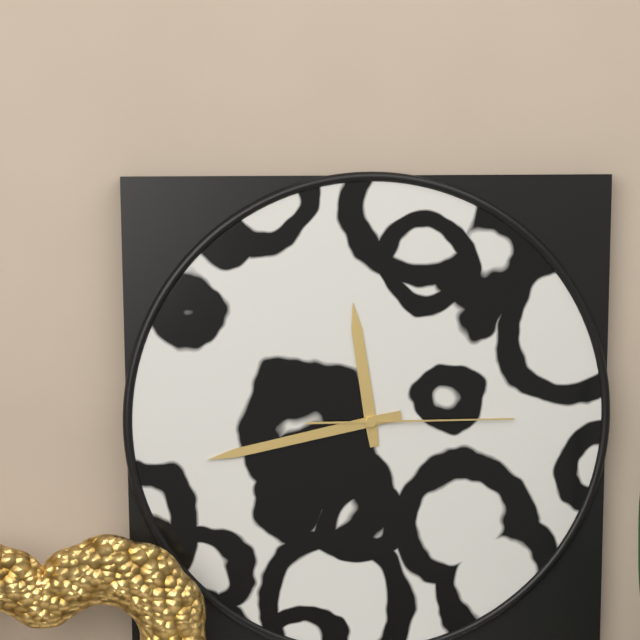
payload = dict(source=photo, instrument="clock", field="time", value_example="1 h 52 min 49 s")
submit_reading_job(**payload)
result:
11 h 43 min 15 s
